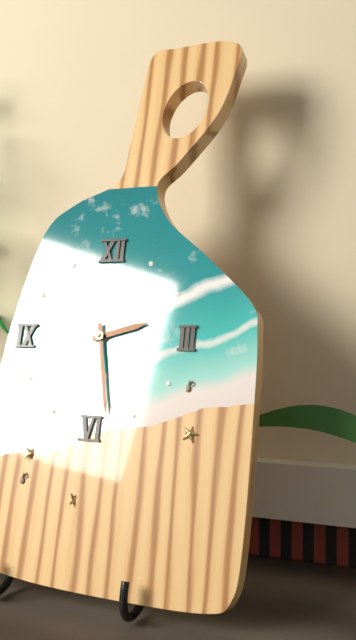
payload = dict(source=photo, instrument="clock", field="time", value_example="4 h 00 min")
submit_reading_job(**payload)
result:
2 h 28 min
